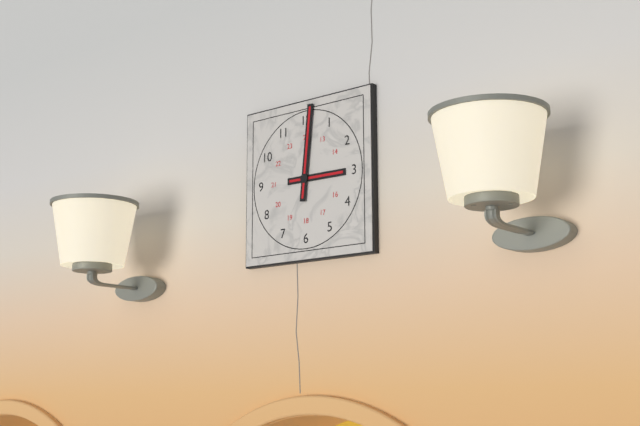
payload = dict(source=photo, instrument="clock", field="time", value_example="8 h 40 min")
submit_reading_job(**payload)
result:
3 h 01 min
